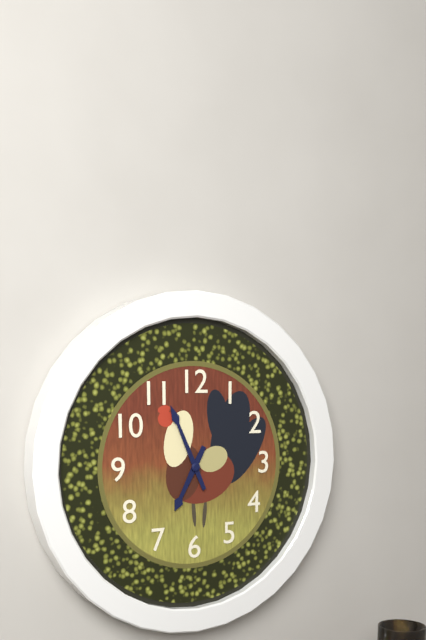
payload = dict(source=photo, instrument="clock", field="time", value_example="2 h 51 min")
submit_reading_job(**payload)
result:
6 h 56 min
